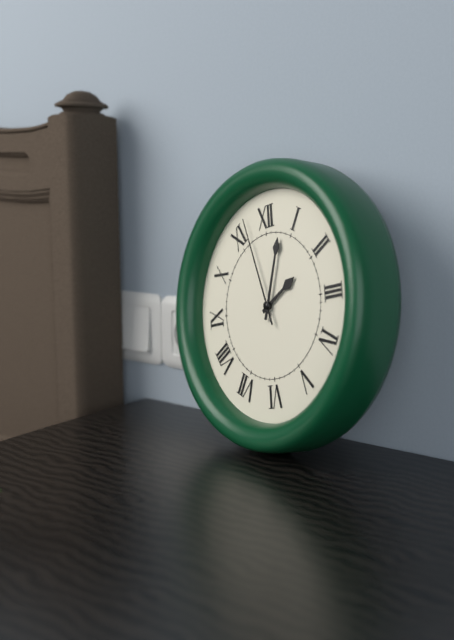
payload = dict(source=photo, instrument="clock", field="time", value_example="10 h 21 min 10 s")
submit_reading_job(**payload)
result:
2 h 03 min 57 s
